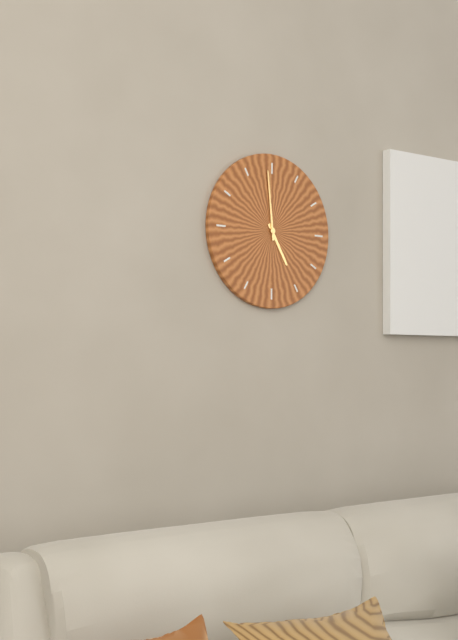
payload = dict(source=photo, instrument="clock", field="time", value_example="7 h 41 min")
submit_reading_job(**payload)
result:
4 h 59 min
